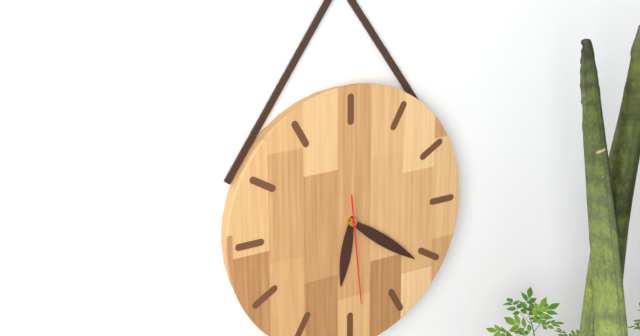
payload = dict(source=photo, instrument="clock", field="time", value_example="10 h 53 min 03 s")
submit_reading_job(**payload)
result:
6 h 21 min 29 s
